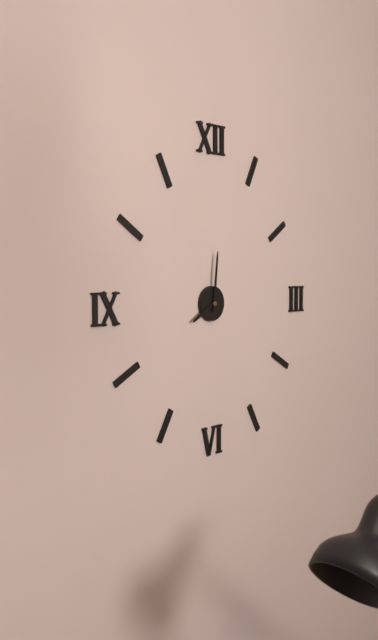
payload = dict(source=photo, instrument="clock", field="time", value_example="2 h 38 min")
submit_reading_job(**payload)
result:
8 h 01 min
